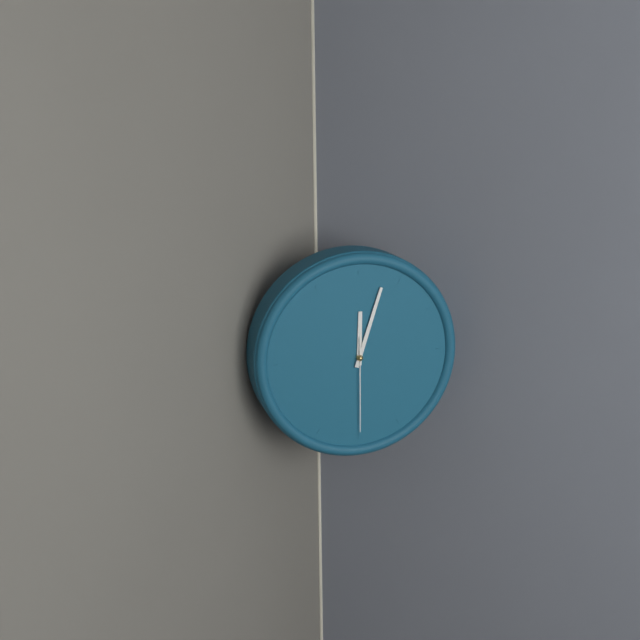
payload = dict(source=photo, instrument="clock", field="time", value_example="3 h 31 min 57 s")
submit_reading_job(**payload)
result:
12 h 03 min 30 s
